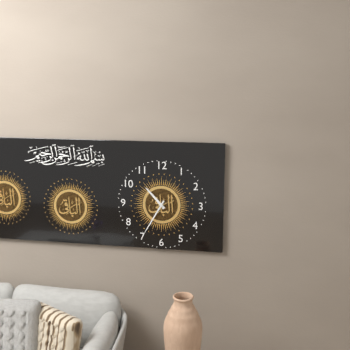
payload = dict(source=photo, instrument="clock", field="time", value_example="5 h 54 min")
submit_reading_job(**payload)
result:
10 h 35 min
